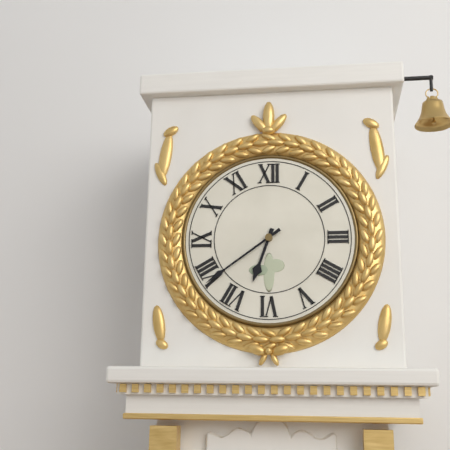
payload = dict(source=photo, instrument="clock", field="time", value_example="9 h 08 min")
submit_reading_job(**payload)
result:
6 h 39 min
